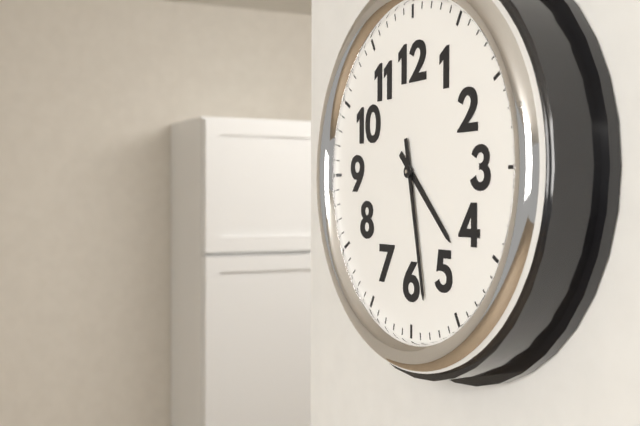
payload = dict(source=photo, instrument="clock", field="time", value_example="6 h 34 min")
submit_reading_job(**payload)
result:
4 h 28 min
